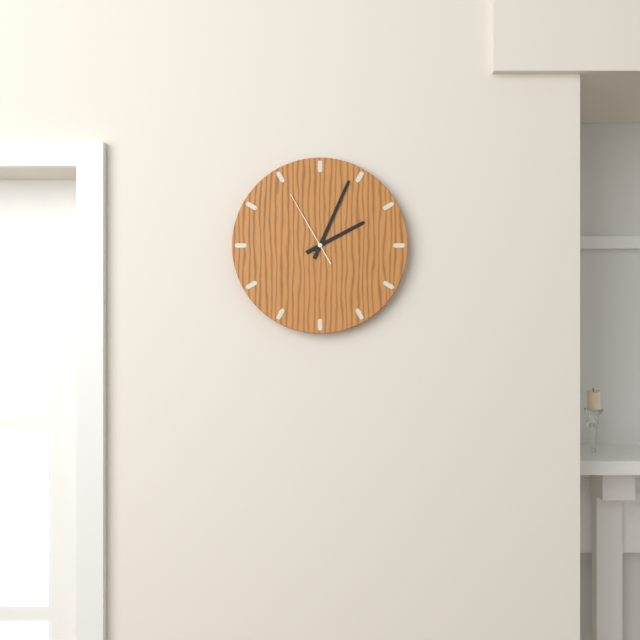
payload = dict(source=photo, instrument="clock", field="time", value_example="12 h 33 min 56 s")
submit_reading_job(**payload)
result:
2 h 04 min 55 s
